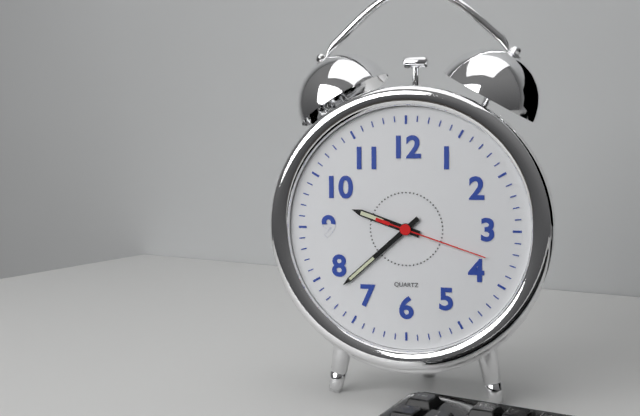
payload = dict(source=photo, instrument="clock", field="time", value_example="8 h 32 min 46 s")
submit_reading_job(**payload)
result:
9 h 38 min 18 s
